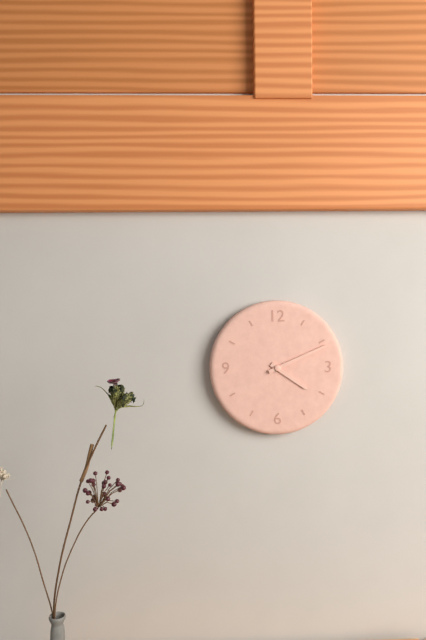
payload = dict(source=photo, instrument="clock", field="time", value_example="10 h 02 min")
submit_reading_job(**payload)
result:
4 h 11 min
